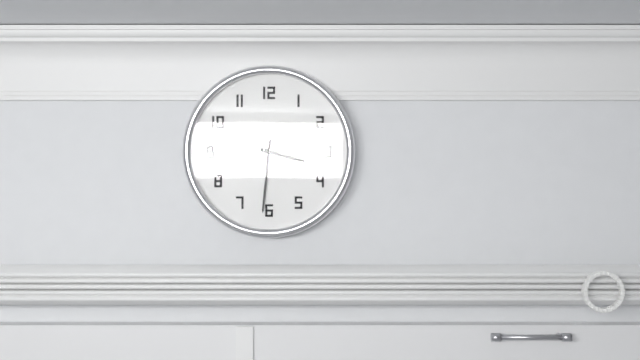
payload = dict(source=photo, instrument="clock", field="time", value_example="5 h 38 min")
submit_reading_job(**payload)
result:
3 h 31 min
